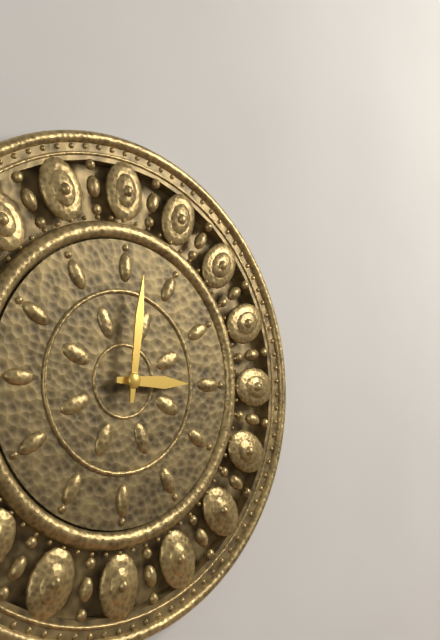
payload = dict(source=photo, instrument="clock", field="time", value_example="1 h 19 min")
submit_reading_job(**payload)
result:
3 h 01 min
